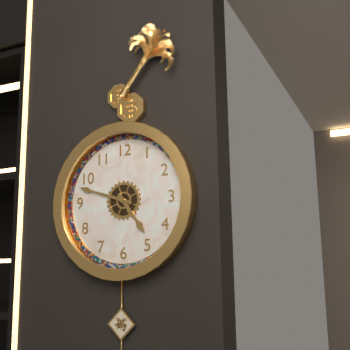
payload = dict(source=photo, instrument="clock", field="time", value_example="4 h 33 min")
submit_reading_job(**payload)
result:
4 h 48 min
